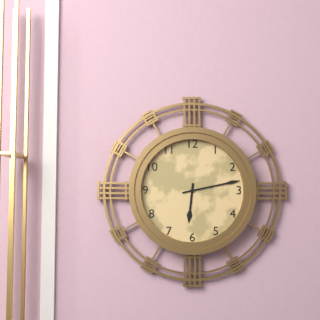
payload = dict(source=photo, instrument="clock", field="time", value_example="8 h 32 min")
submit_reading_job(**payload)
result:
6 h 13 min
